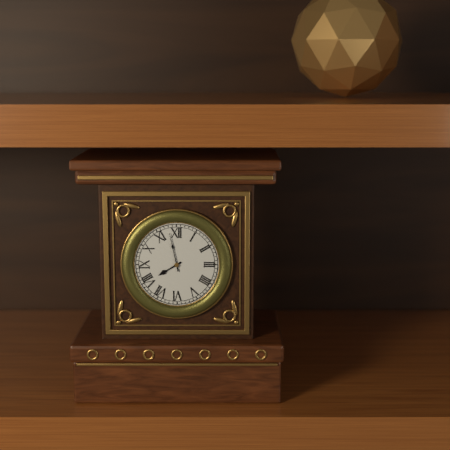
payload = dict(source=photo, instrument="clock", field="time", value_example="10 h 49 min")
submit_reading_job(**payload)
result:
7 h 58 min
